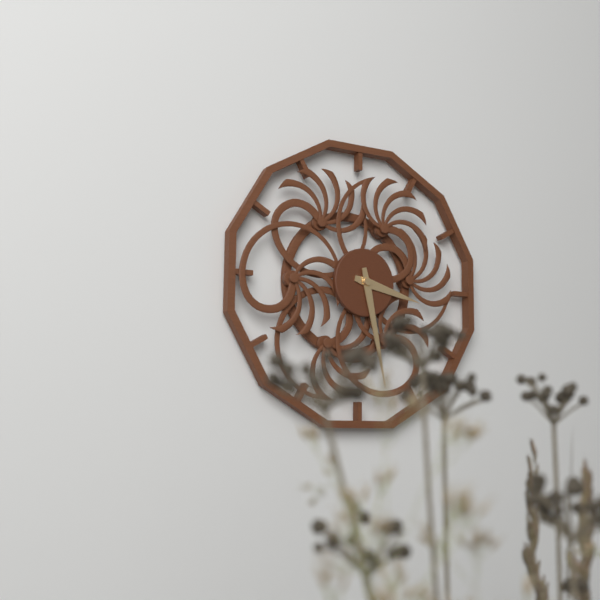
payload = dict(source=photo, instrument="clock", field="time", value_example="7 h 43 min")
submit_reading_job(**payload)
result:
3 h 28 min
